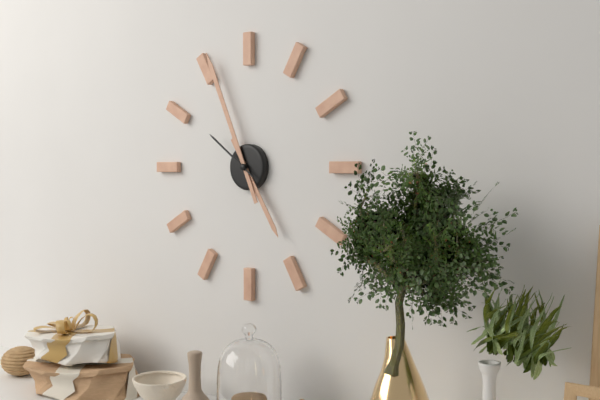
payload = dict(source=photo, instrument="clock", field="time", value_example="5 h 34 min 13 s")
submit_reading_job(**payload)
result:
4 h 56 min 51 s
